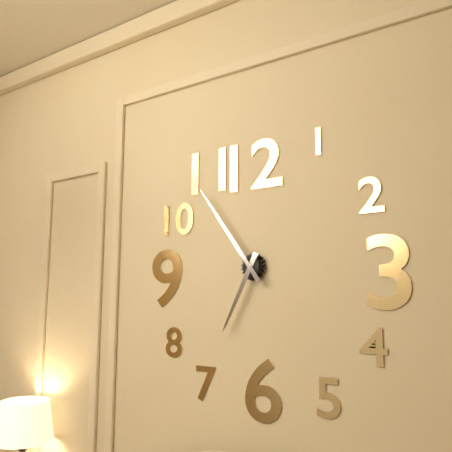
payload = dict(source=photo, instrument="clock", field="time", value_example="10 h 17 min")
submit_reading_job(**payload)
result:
6 h 54 min
